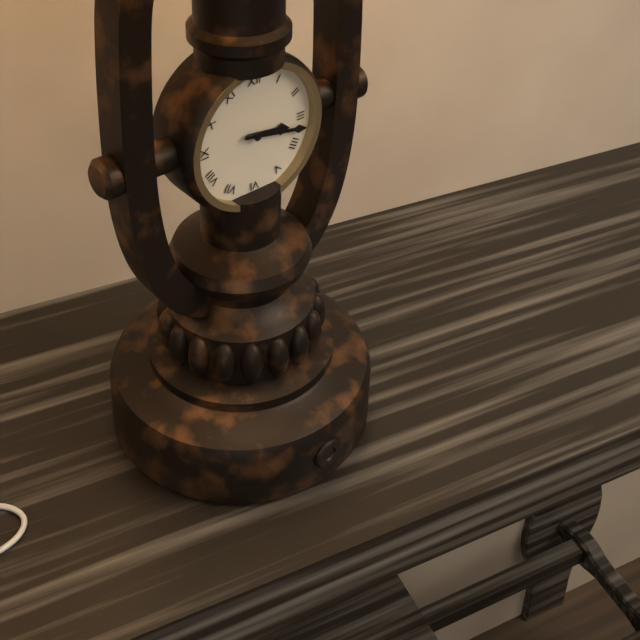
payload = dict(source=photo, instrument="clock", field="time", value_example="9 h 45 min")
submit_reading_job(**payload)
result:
3 h 17 min
